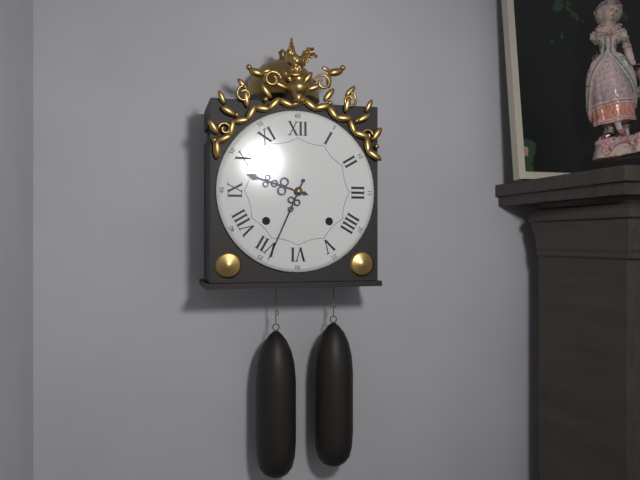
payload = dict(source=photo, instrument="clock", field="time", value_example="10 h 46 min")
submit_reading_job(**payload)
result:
9 h 34 min
